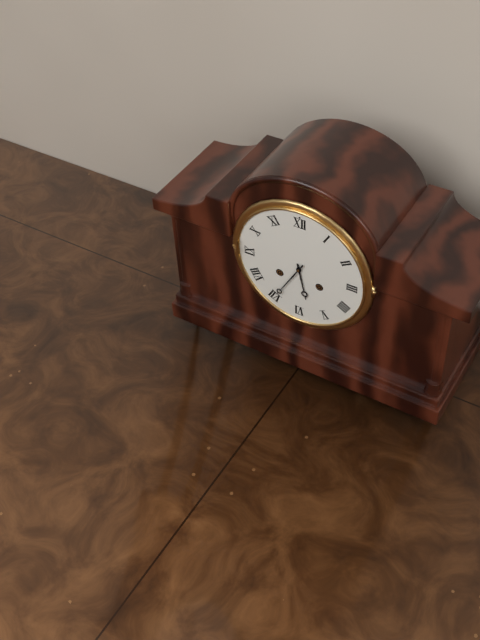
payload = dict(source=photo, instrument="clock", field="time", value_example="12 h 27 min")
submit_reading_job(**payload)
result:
5 h 35 min
